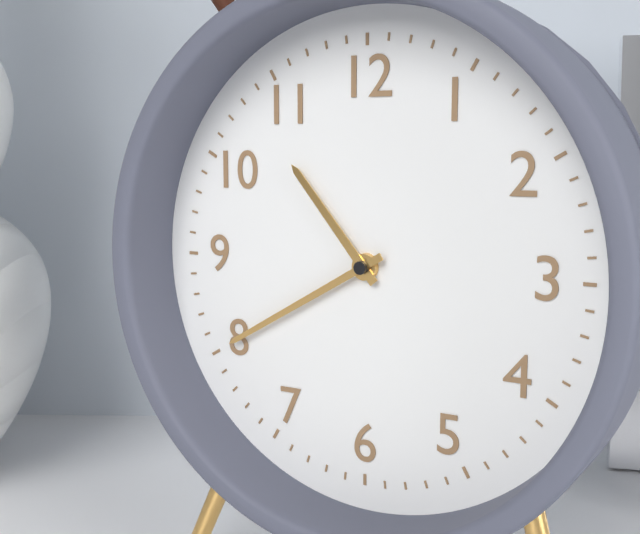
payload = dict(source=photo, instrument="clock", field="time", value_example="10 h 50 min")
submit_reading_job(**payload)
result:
10 h 40 min
